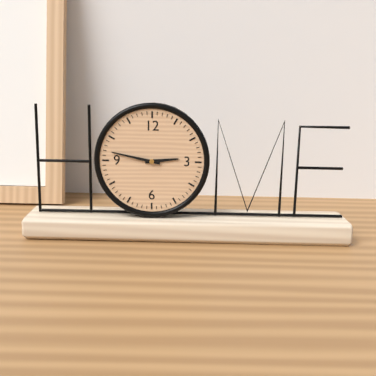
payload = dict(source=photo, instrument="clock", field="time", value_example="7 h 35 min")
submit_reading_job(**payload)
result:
2 h 47 min
